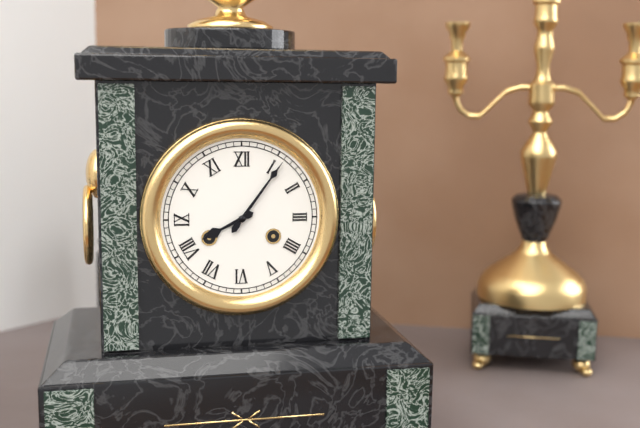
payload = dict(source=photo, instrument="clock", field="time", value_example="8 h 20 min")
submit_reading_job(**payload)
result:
8 h 06 min
